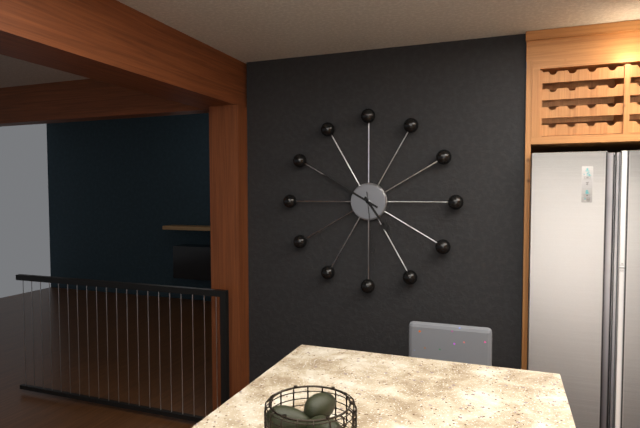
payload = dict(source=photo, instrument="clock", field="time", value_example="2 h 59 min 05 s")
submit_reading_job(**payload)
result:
4 h 50 min 29 s
